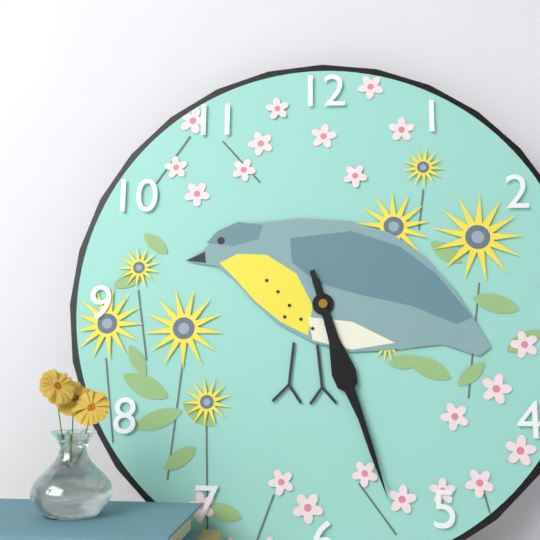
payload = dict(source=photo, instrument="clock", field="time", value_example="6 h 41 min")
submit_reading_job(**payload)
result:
5 h 27 min
